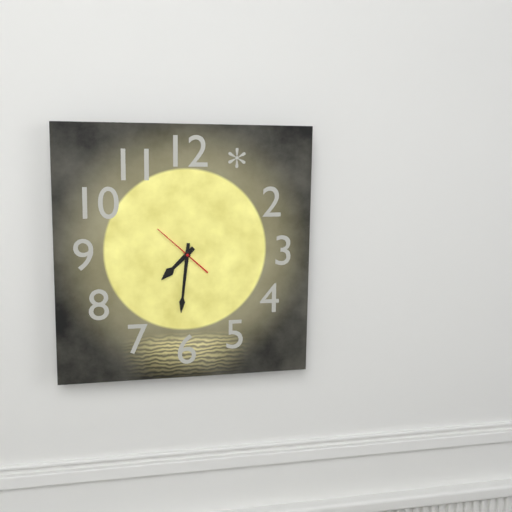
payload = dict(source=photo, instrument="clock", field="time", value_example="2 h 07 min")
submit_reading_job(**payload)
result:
7 h 31 min
